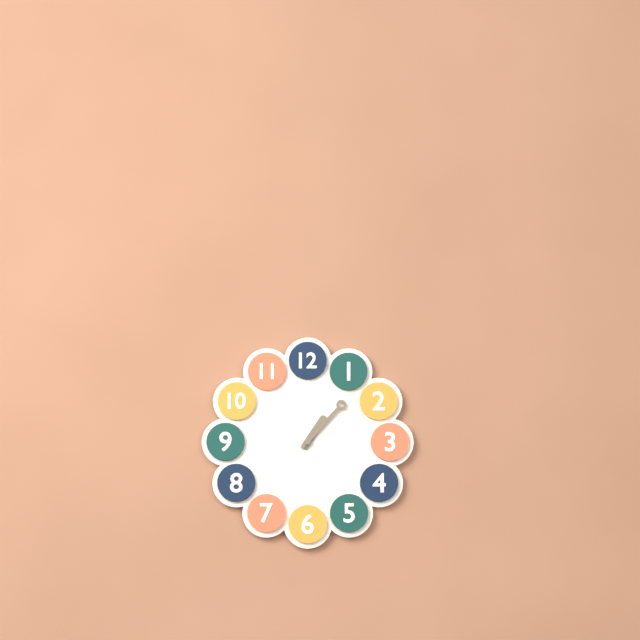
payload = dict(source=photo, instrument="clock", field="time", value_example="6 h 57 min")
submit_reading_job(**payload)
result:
1 h 07 min
